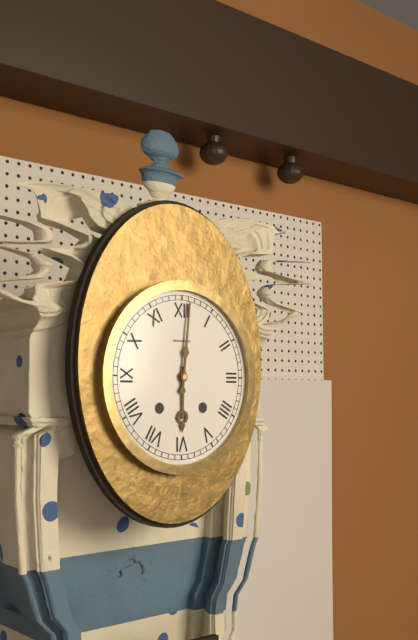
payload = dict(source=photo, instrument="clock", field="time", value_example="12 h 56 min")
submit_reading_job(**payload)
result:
6 h 01 min
